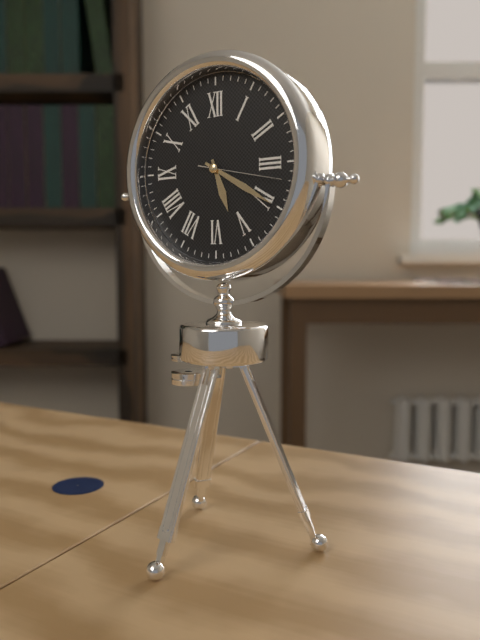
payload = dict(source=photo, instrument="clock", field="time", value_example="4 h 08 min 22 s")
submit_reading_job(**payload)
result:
5 h 20 min 17 s
